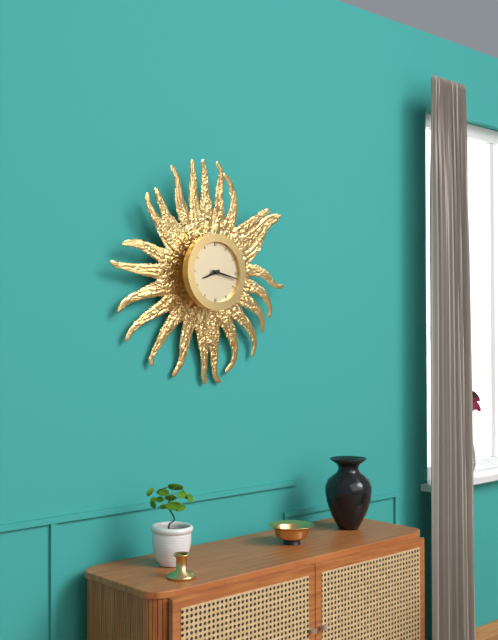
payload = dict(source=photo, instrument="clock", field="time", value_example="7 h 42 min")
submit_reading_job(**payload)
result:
8 h 17 min
